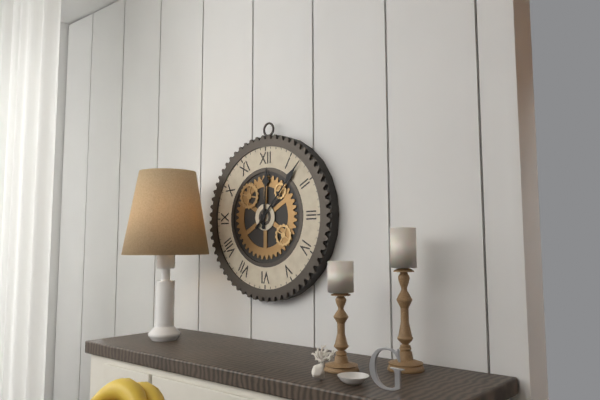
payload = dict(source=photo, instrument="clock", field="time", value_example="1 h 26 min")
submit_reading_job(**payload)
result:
12 h 07 min
